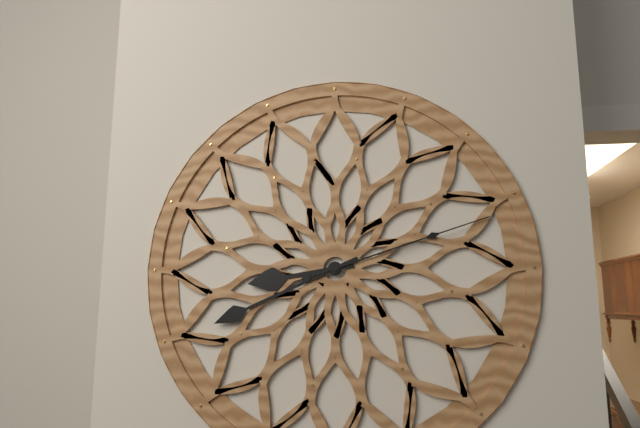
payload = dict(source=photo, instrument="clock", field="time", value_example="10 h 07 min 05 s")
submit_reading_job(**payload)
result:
8 h 41 min 12 s
